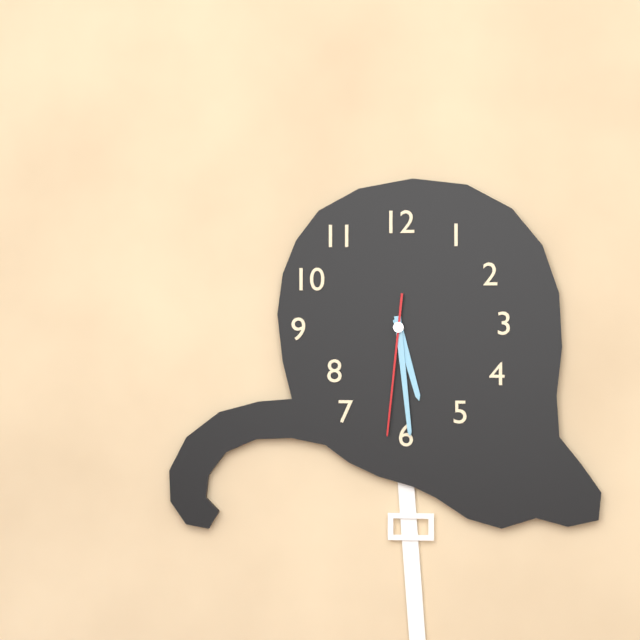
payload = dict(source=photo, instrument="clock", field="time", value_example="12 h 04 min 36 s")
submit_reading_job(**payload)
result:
5 h 29 min 31 s
